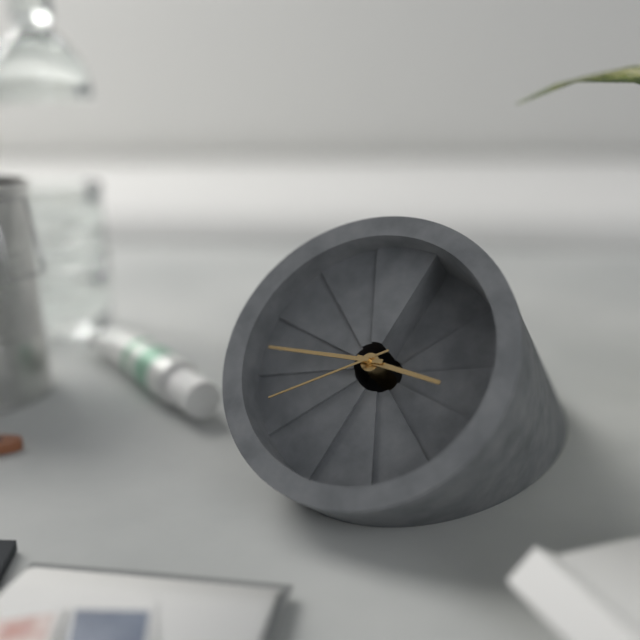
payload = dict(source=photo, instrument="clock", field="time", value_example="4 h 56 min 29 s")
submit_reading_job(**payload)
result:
2 h 42 min 37 s
